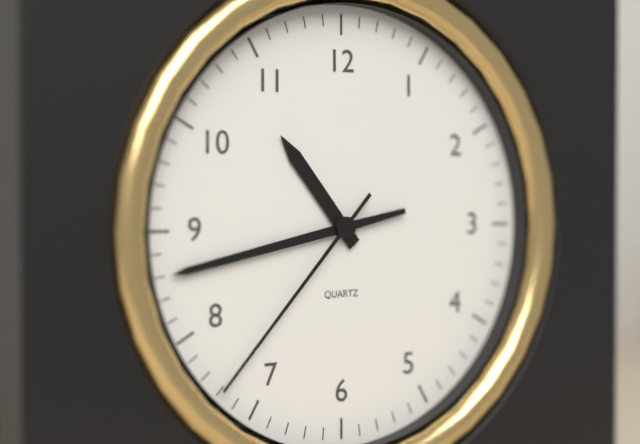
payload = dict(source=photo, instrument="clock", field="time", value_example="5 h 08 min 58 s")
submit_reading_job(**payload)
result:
10 h 43 min 37 s
